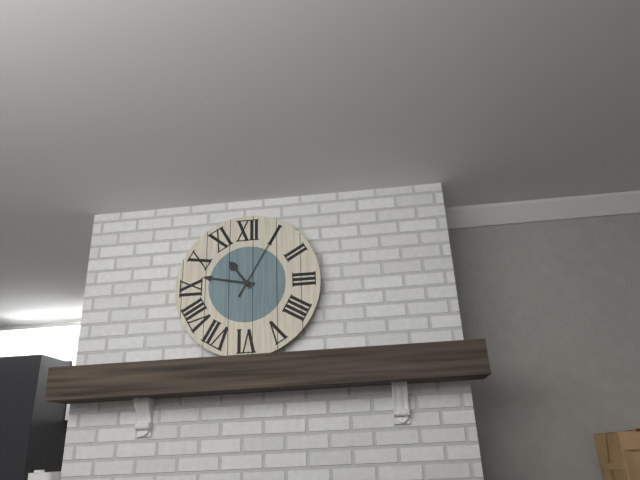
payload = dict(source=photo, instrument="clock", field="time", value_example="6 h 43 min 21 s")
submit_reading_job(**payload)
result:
10 h 47 min 05 s
